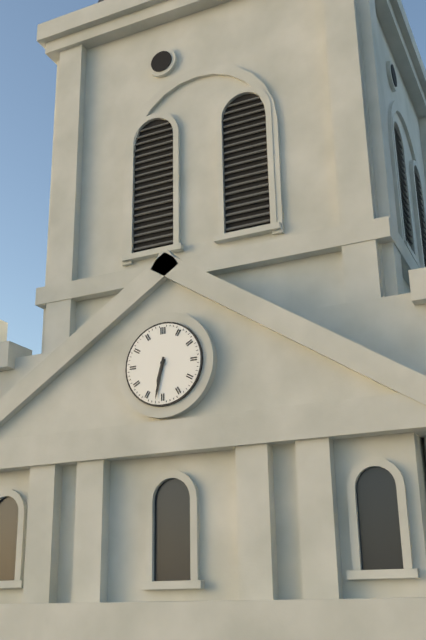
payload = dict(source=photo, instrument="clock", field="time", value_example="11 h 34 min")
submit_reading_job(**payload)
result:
6 h 32 min
